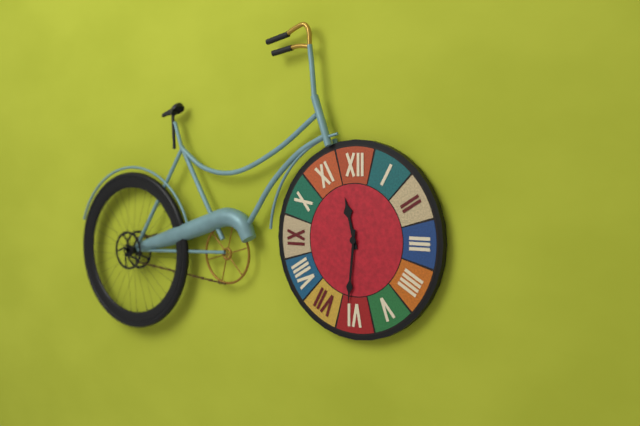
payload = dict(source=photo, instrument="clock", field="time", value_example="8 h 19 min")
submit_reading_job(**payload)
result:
11 h 31 min
